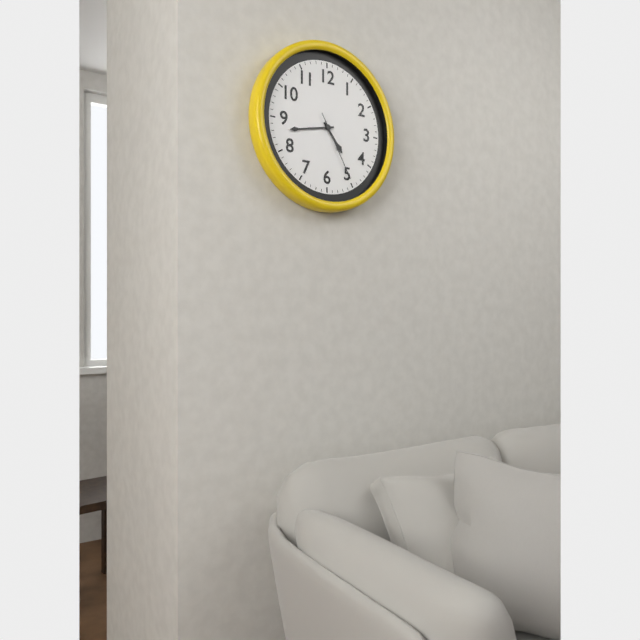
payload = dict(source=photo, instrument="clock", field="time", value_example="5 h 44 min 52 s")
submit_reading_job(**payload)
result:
4 h 43 min 25 s
